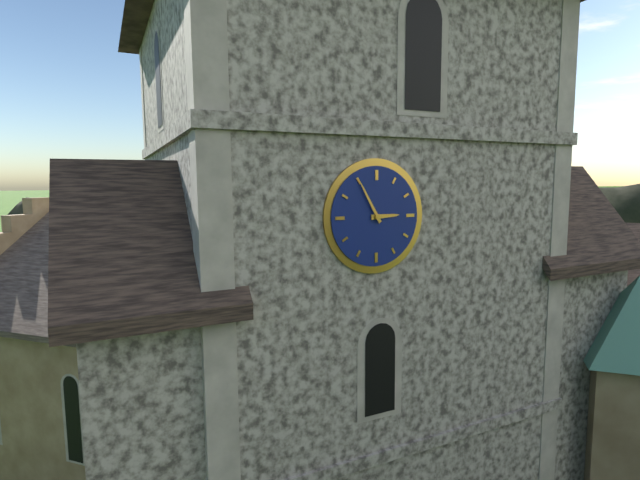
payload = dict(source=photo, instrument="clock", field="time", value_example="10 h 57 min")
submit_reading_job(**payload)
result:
2 h 55 min
